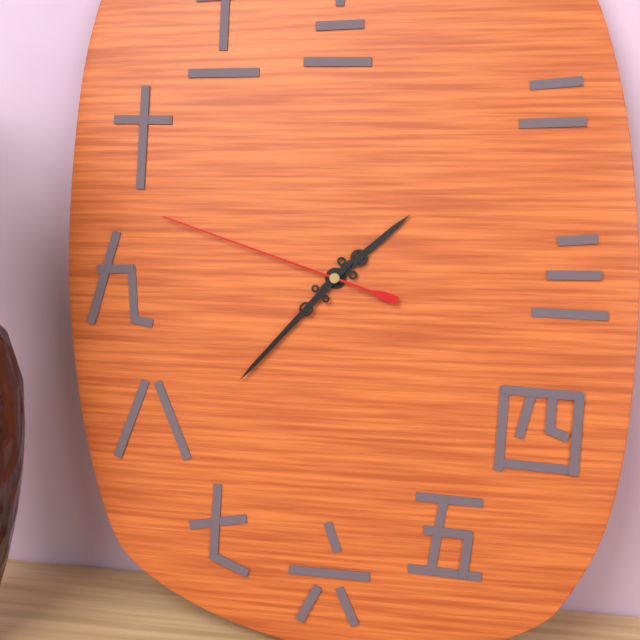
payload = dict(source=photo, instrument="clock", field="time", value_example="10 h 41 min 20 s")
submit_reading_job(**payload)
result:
1 h 37 min 48 s
